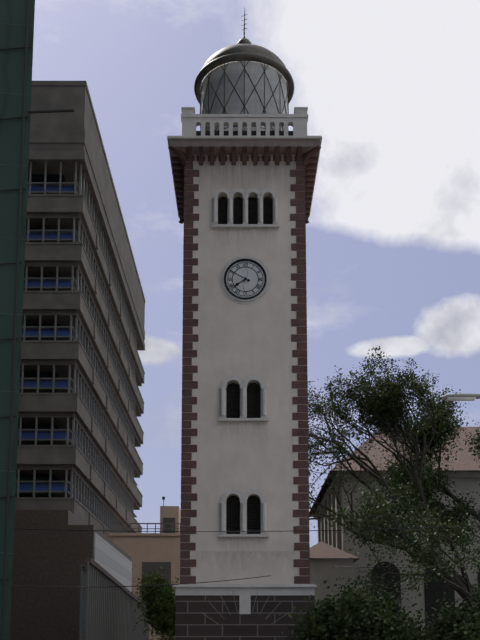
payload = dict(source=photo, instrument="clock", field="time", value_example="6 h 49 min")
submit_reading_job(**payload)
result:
7 h 50 min
